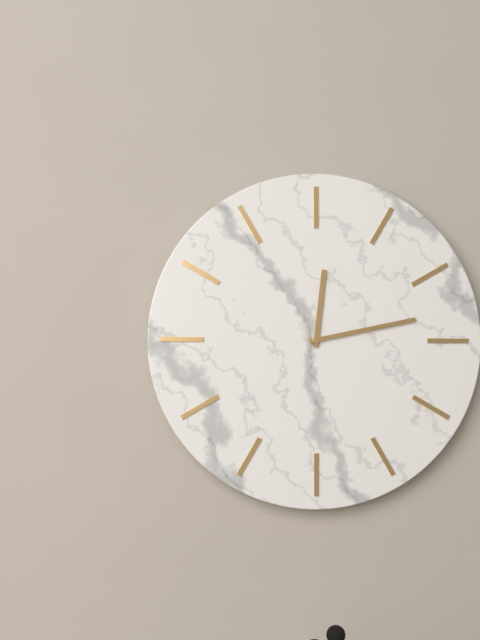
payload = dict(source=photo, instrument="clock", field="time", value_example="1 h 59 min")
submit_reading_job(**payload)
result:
12 h 13 min
